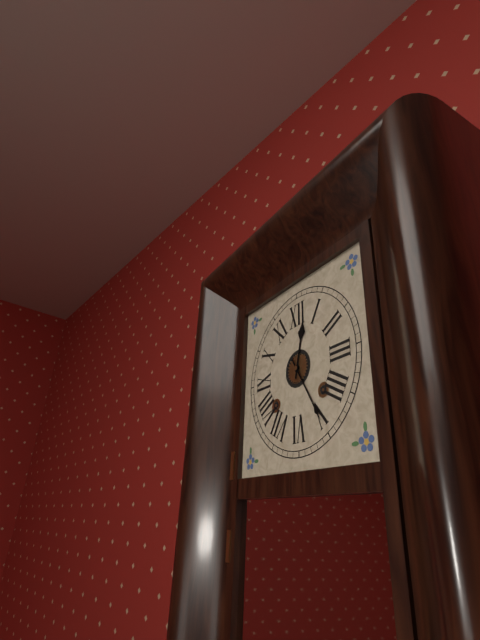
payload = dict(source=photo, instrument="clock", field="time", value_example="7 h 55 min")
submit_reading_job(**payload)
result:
12 h 25 min
